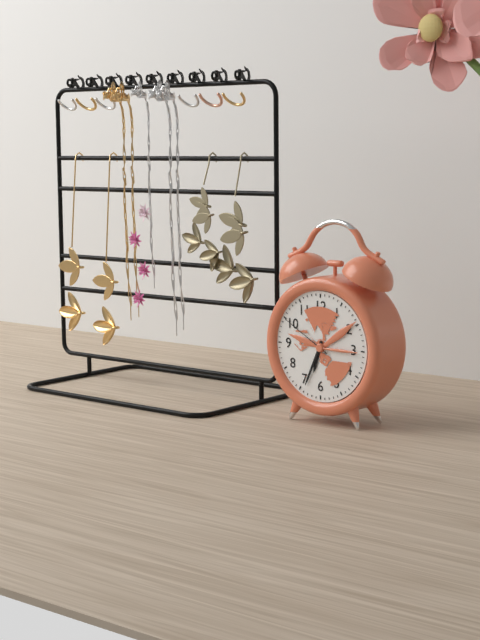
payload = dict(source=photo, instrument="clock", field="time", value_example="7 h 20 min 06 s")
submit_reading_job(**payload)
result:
6 h 34 min 50 s
